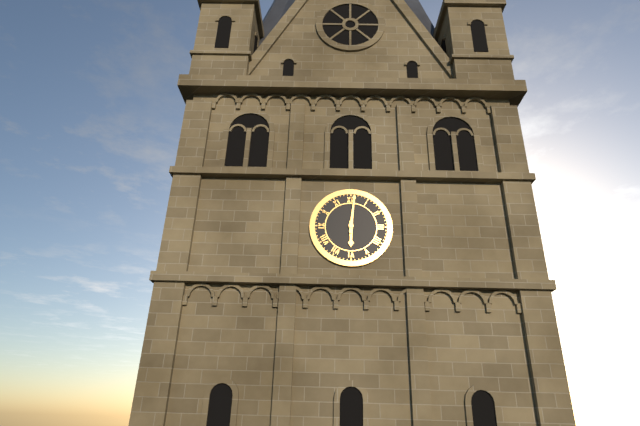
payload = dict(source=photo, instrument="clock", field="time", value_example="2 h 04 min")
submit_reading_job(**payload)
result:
6 h 01 min
